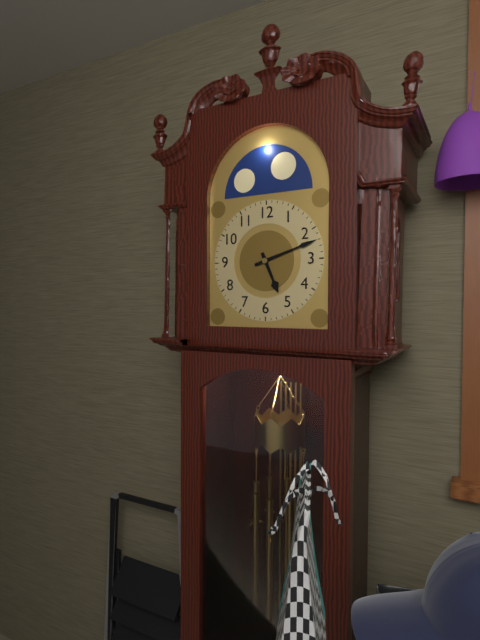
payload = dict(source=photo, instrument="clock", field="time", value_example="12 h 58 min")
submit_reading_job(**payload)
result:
5 h 12 min
